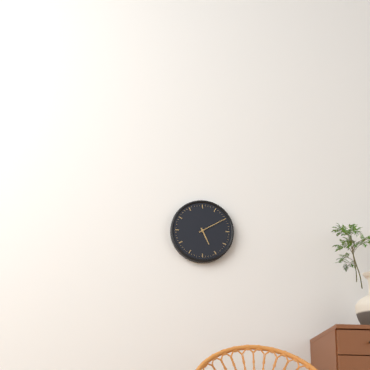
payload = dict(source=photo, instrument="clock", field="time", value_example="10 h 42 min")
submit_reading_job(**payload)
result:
5 h 10 min
